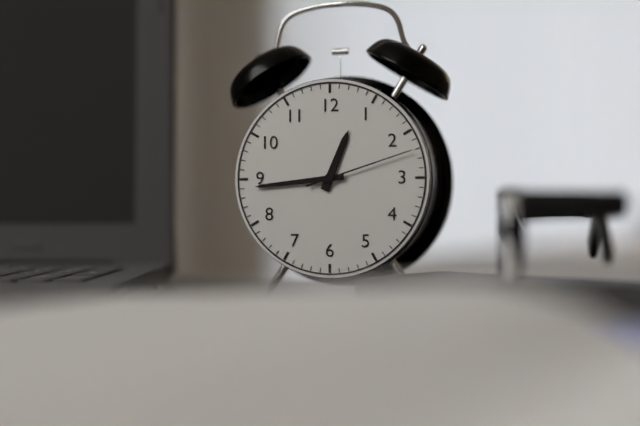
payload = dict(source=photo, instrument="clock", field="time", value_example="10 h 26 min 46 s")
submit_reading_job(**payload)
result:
12 h 44 min 12 s
